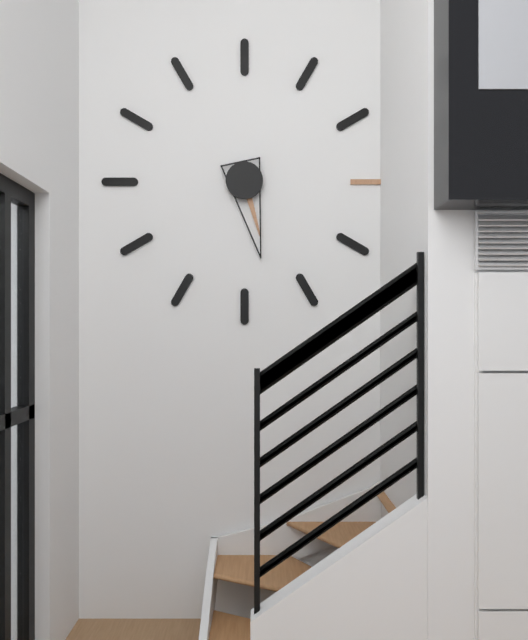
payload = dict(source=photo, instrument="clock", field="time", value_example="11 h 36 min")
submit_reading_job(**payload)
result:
5 h 28 min
